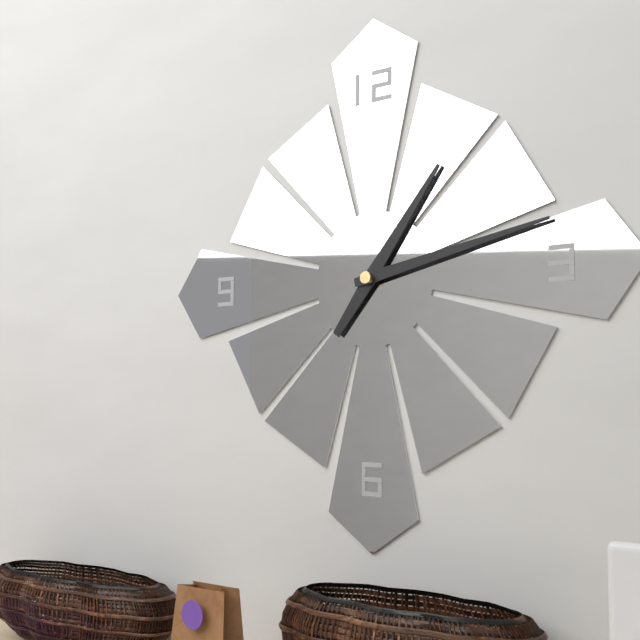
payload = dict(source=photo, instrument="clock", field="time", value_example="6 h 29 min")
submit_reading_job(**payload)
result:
1 h 13 min
